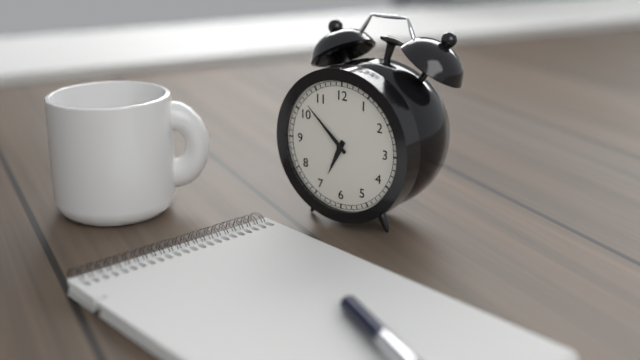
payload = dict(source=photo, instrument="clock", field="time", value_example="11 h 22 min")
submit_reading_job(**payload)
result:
6 h 52 min
